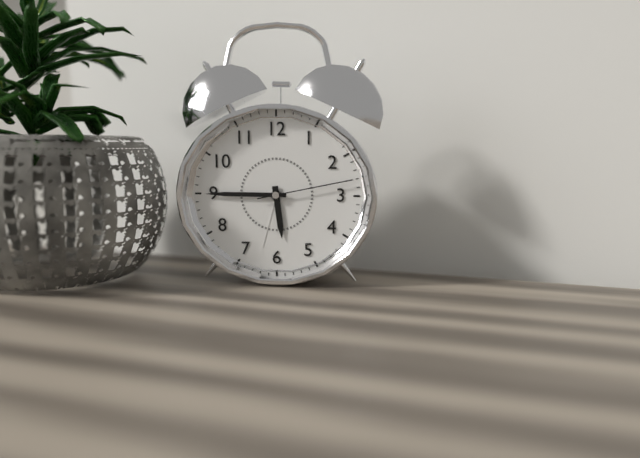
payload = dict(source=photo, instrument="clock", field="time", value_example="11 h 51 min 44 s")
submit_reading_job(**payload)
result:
5 h 45 min 13 s
